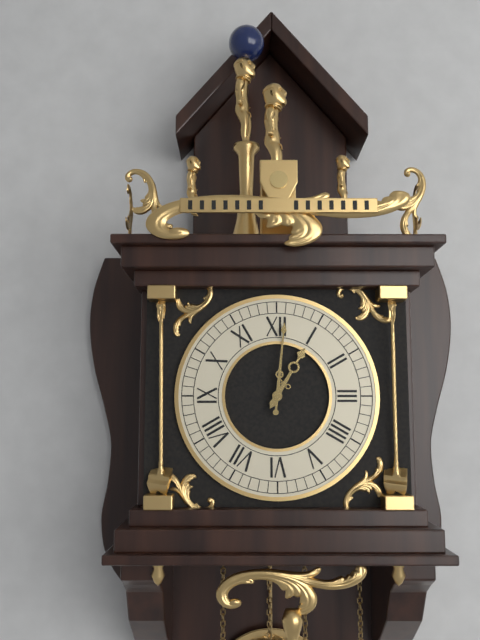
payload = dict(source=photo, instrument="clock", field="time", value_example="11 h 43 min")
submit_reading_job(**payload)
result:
1 h 01 min
